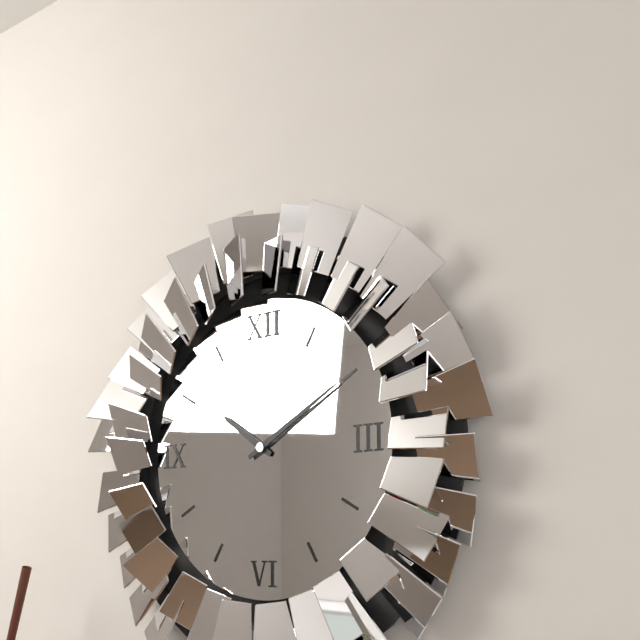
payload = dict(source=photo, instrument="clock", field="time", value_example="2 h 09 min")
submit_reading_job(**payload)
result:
10 h 10 min
